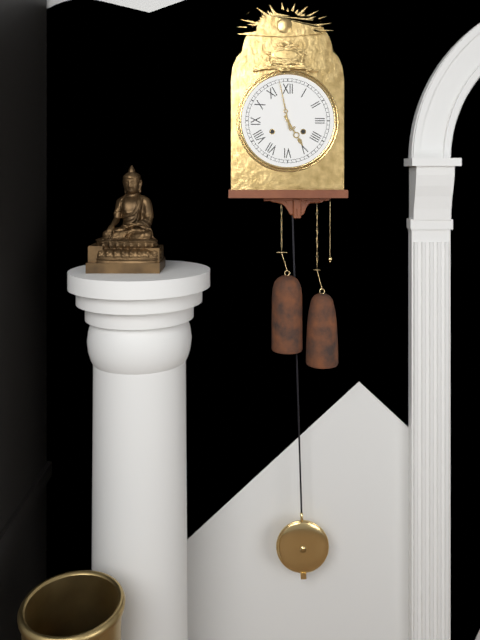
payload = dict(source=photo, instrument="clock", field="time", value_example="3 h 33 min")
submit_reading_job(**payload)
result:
4 h 58 min
